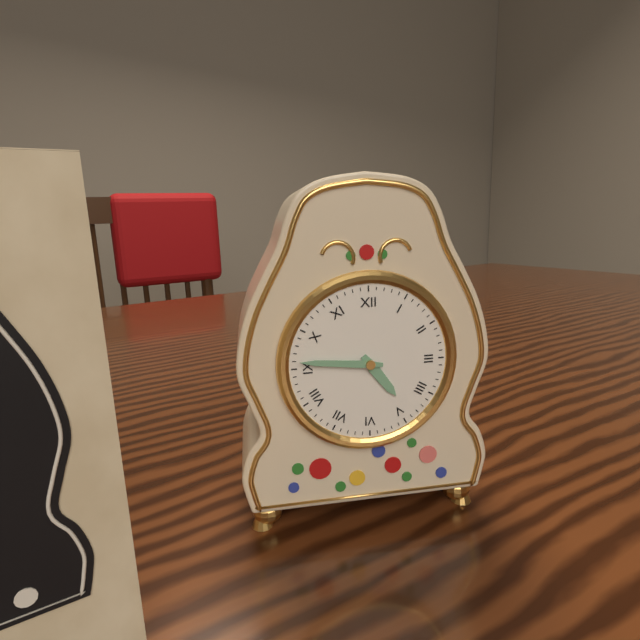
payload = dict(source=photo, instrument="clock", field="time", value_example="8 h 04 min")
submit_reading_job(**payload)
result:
4 h 46 min
